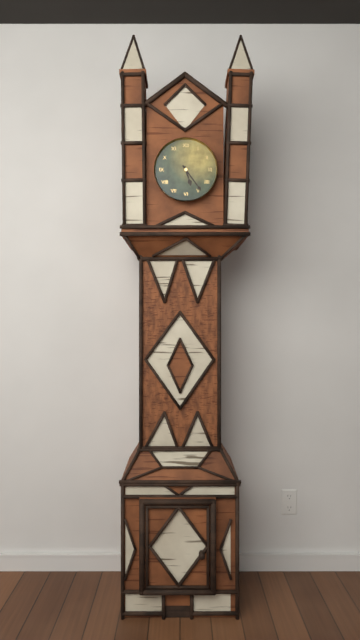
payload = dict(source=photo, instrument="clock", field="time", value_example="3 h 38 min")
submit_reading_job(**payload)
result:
5 h 24 min
